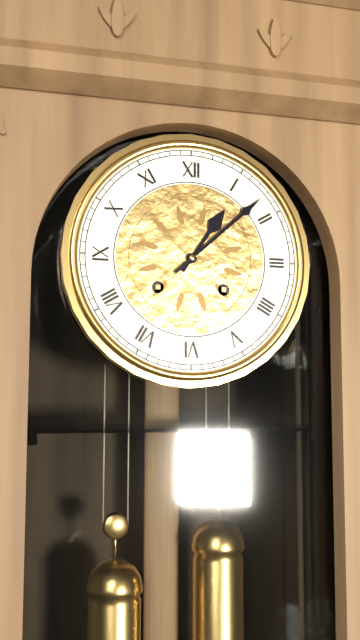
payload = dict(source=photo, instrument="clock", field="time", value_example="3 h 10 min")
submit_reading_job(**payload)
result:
1 h 08 min
